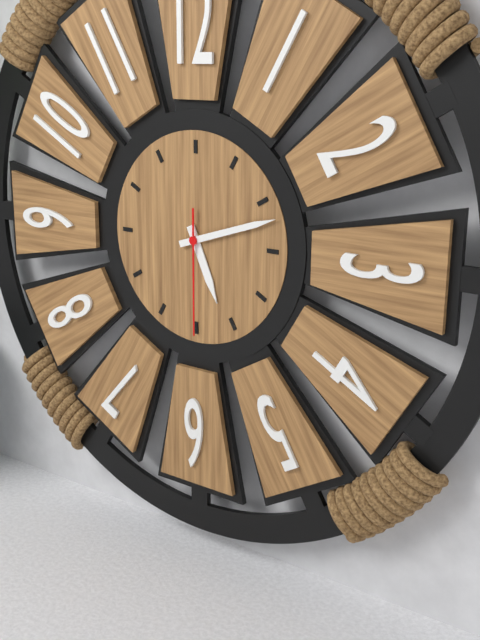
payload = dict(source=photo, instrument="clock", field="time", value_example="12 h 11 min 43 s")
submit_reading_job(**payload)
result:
5 h 12 min 30 s
